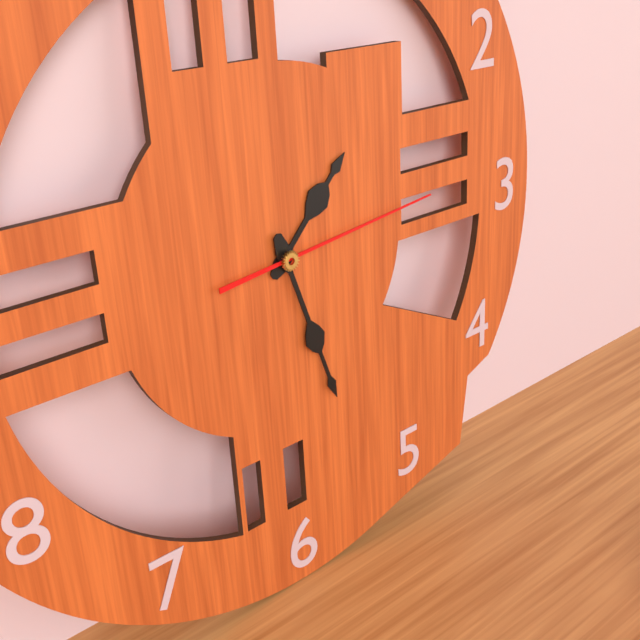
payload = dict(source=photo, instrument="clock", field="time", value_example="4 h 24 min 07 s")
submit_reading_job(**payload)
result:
1 h 27 min 14 s
